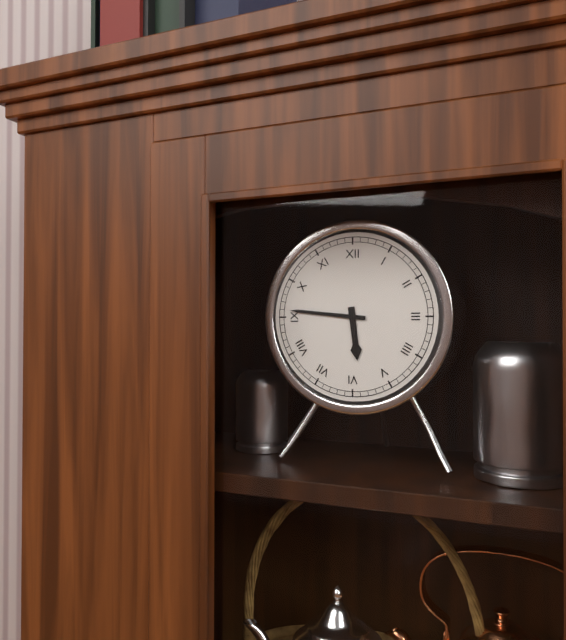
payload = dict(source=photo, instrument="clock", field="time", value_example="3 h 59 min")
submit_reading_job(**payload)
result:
5 h 46 min
